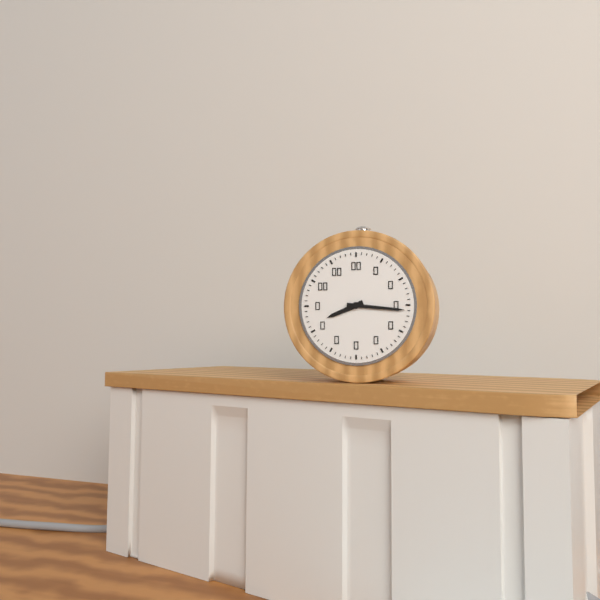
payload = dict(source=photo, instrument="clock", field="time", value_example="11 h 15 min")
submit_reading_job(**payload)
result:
8 h 16 min
